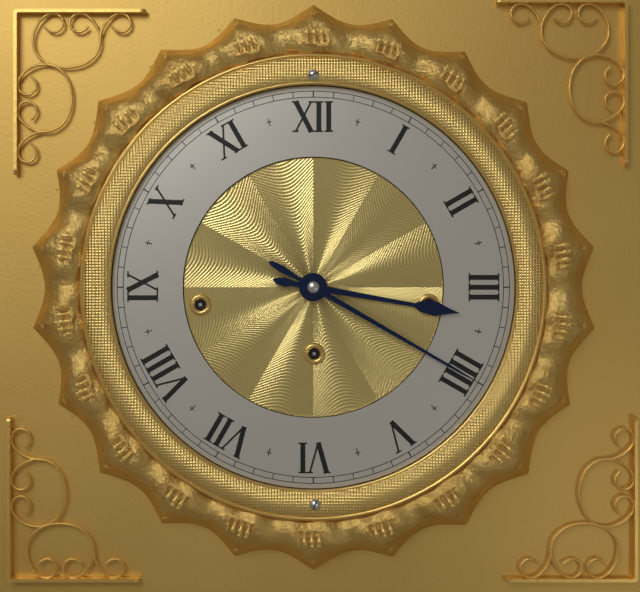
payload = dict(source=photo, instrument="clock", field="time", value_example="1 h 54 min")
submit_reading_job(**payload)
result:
3 h 20 min
